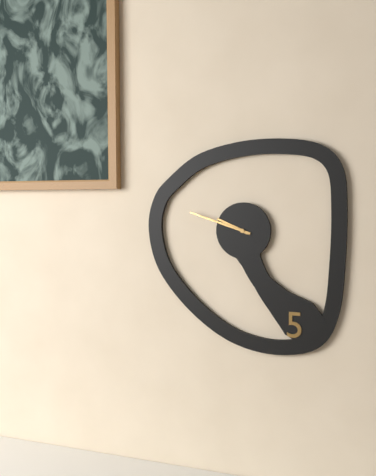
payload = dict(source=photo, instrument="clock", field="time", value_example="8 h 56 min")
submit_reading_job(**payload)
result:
9 h 48 min
